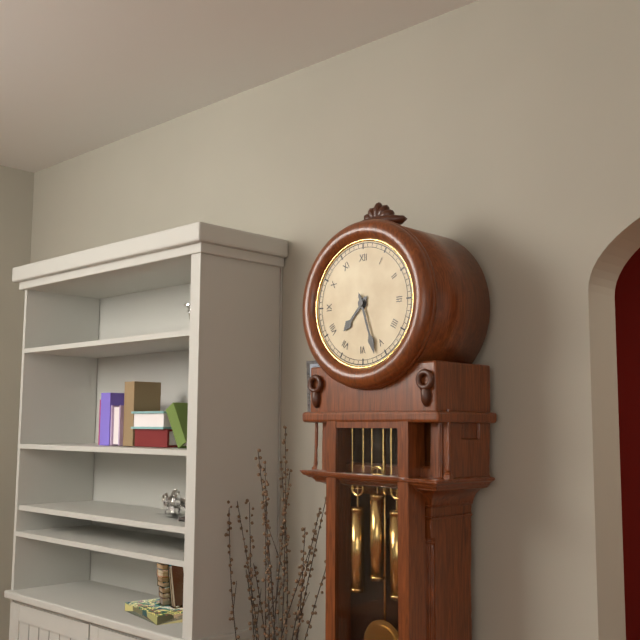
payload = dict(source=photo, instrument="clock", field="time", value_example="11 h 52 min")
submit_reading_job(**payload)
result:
7 h 27 min
